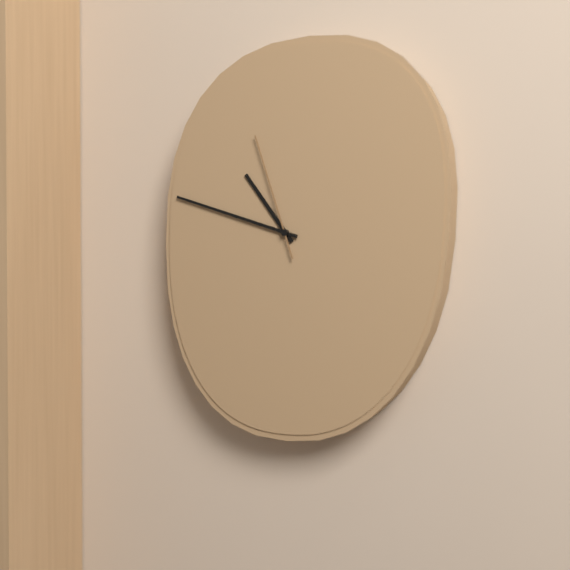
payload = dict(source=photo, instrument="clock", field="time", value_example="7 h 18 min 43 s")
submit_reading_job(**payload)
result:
10 h 48 min 57 s
